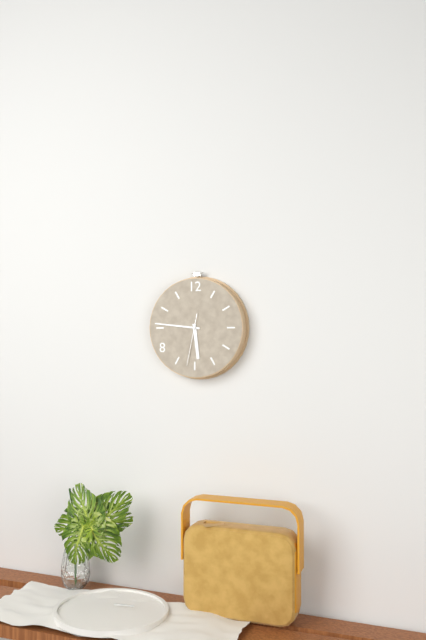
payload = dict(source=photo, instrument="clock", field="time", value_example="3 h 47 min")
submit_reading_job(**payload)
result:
5 h 46 min
